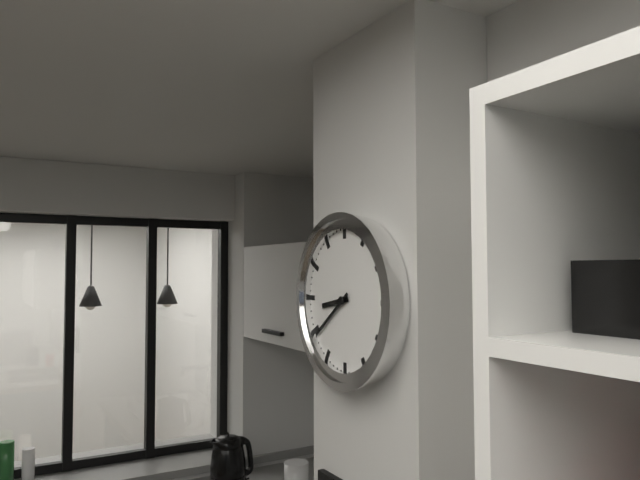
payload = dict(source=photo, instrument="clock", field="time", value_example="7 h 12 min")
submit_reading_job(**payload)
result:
8 h 39 min
